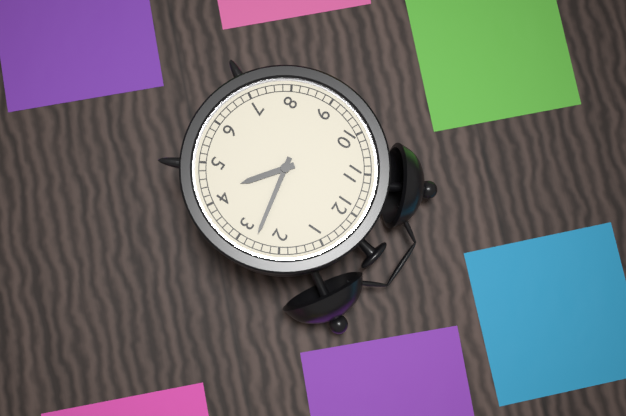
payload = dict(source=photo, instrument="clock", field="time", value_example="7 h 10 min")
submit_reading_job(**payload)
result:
4 h 13 min
